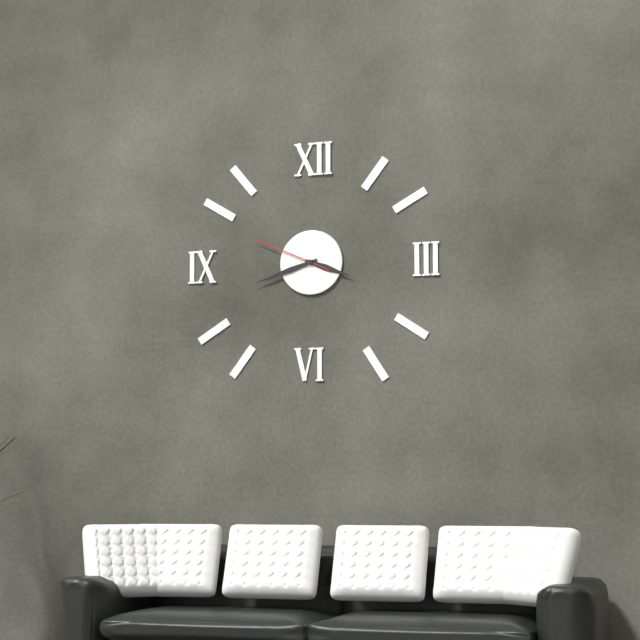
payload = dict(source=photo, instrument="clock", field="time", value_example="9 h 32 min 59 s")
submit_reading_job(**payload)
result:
3 h 42 min 49 s
